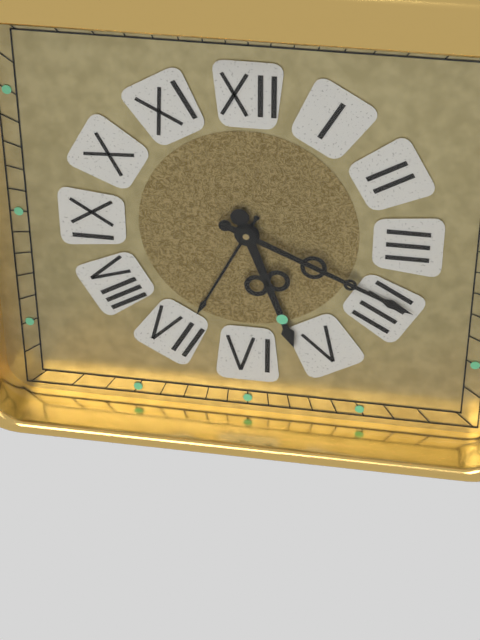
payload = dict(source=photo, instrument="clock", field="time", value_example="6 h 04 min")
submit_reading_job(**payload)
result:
5 h 19 min
